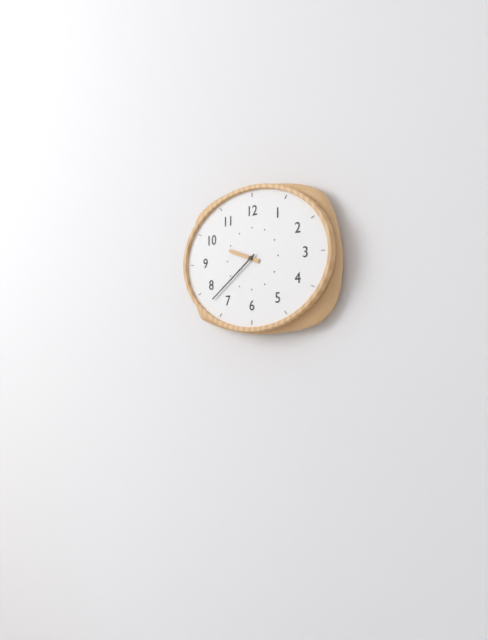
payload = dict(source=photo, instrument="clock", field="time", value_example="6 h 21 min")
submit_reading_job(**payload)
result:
9 h 39 min
